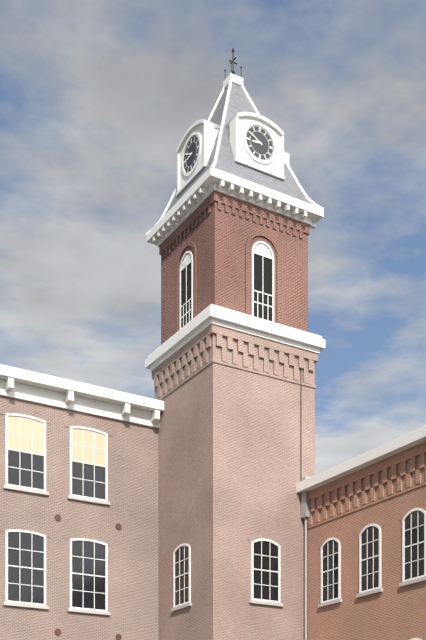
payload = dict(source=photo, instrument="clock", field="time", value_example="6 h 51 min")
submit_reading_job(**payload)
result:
8 h 50 min
